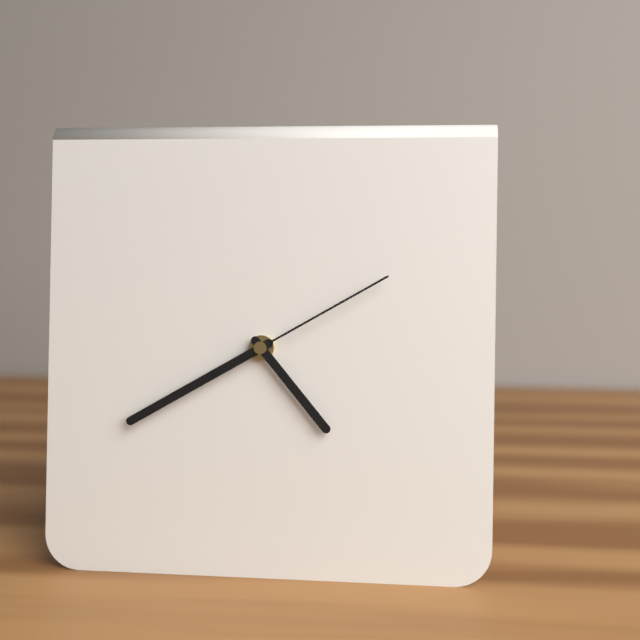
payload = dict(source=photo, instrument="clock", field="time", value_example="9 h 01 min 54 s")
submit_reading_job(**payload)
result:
4 h 40 min 10 s
